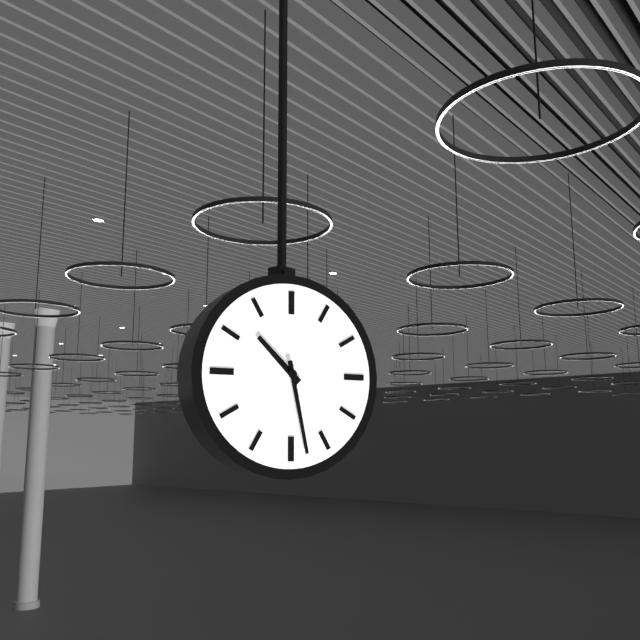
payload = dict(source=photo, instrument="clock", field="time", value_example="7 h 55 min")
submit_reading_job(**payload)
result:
10 h 28 min
